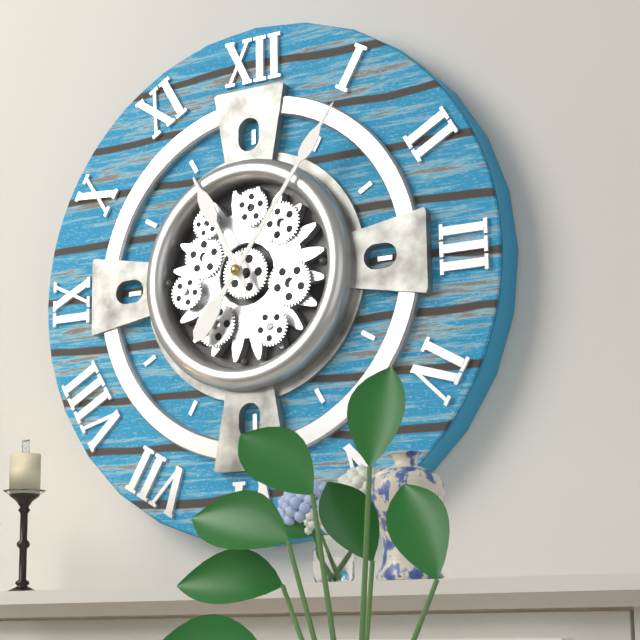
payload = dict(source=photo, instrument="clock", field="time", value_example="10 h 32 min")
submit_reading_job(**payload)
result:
11 h 06 min
